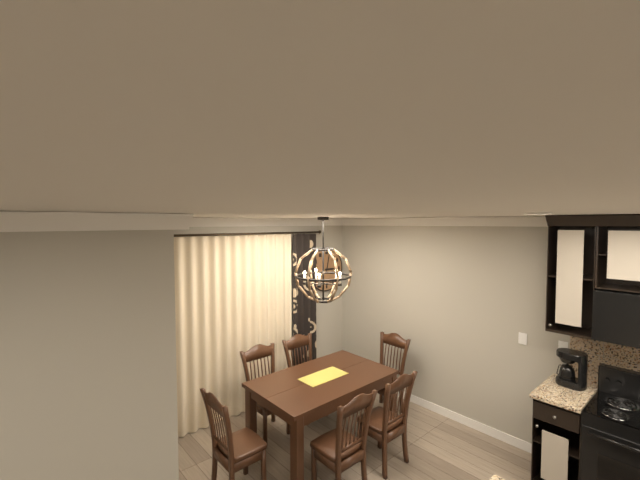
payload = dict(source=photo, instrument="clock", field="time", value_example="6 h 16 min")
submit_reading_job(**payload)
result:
3 h 02 min
